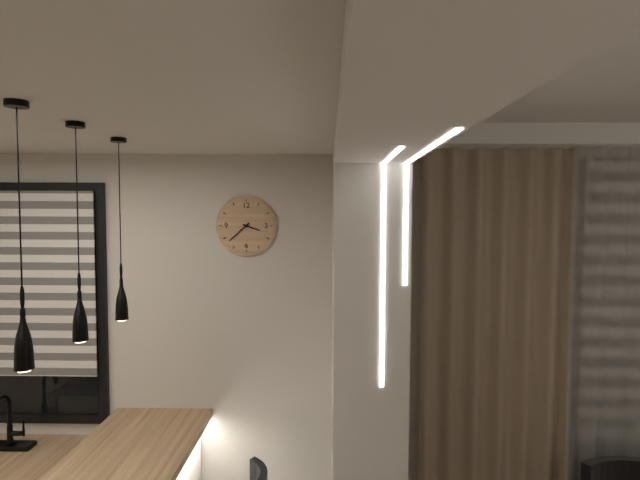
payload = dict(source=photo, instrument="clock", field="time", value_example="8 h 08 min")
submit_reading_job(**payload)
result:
3 h 38 min
